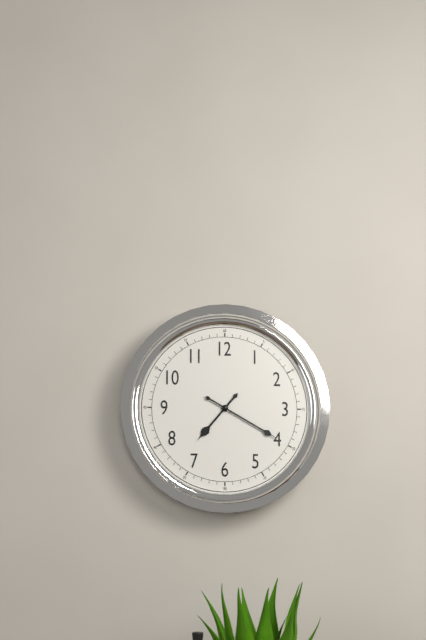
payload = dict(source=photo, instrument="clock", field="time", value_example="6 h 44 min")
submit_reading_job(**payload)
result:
7 h 20 min
